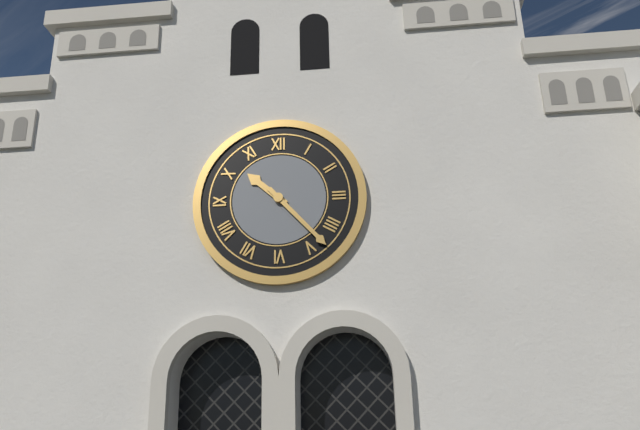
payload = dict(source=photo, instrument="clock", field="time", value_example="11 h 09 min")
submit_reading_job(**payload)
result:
10 h 23 min
